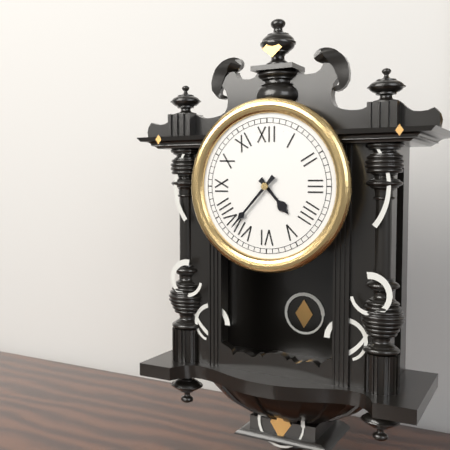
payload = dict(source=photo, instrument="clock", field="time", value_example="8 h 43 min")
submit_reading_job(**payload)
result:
4 h 37 min
